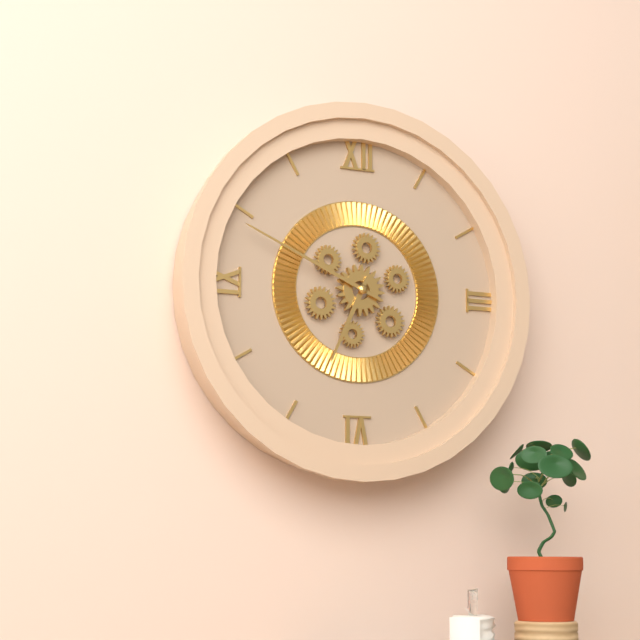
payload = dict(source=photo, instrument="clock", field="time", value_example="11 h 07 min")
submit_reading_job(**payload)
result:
6 h 49 min
